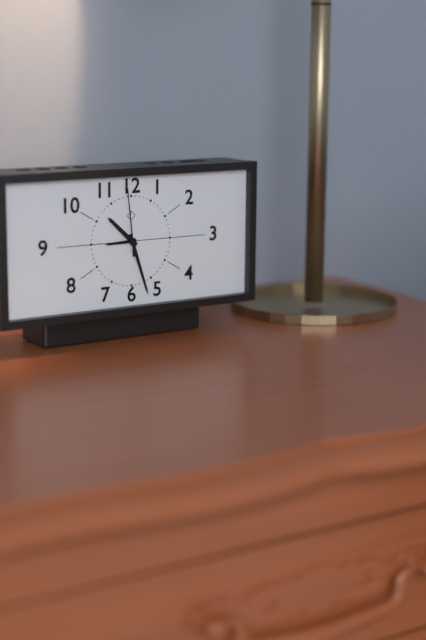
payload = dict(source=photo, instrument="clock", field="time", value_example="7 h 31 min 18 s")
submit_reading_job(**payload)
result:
10 h 27 min 59 s
